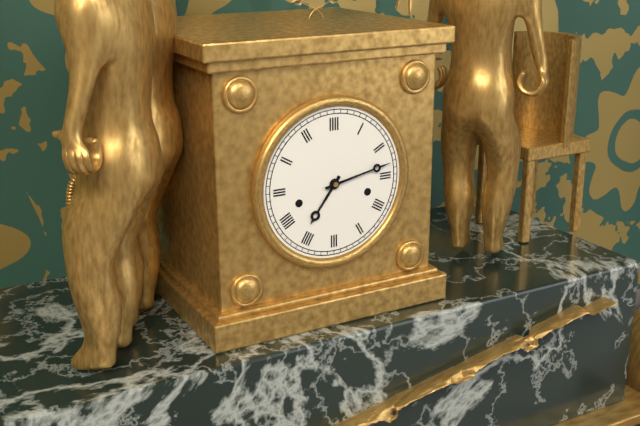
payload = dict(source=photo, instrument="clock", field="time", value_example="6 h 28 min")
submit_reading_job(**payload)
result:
7 h 13 min
